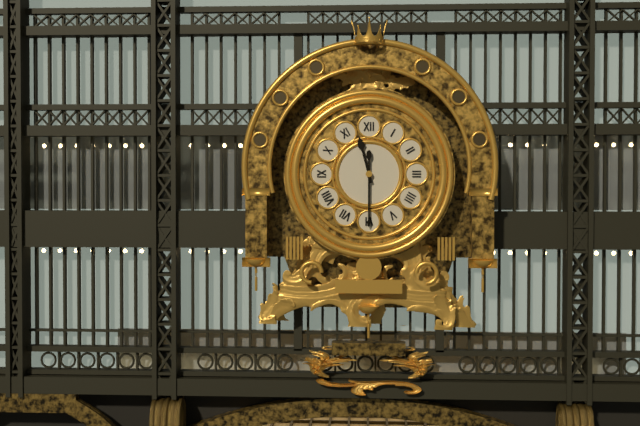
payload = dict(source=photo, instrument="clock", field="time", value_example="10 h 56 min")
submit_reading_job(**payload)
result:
11 h 30 min
